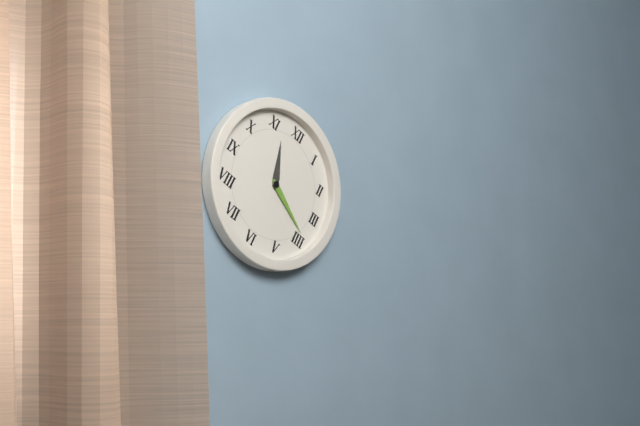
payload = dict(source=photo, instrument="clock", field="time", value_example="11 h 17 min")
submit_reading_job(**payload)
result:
11 h 19 min
